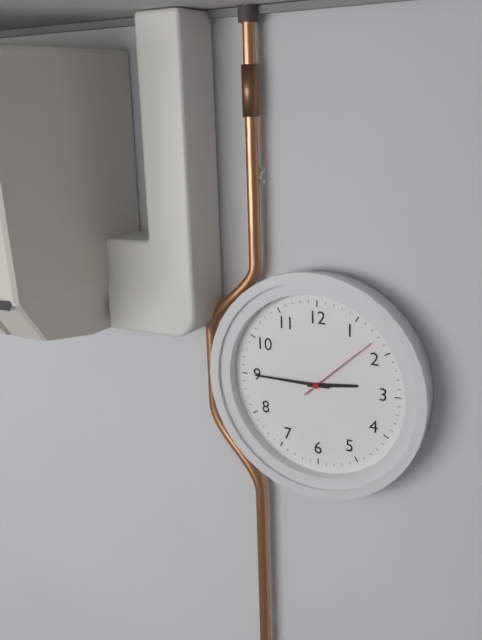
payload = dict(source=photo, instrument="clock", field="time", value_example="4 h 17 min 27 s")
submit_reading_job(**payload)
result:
2 h 45 min 08 s
